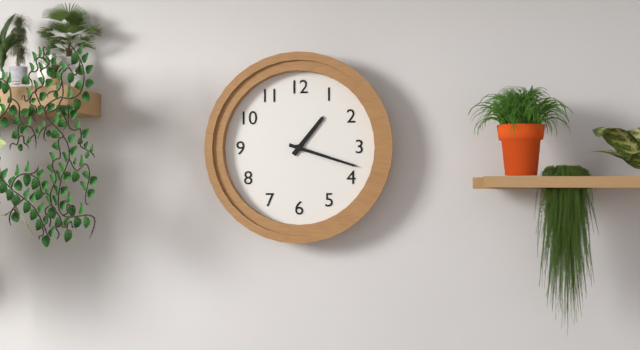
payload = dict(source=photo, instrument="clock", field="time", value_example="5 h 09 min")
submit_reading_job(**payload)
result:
1 h 18 min
